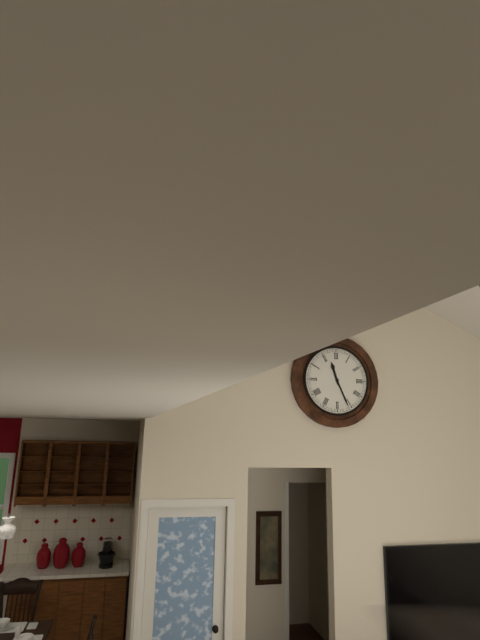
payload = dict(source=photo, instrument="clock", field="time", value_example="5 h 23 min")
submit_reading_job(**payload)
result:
11 h 26 min
